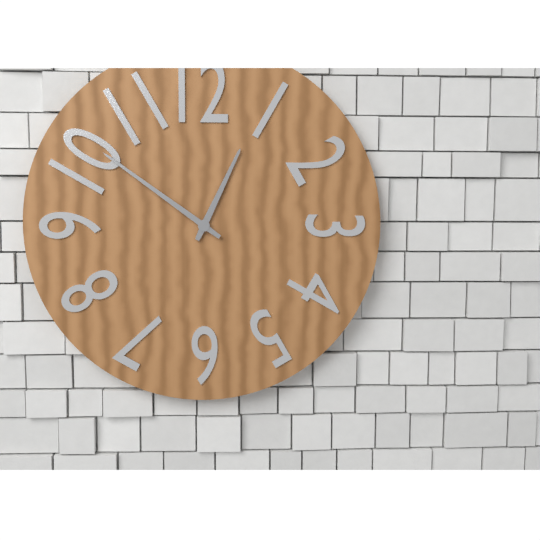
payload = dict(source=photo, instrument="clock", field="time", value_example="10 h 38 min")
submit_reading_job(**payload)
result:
12 h 51 min
